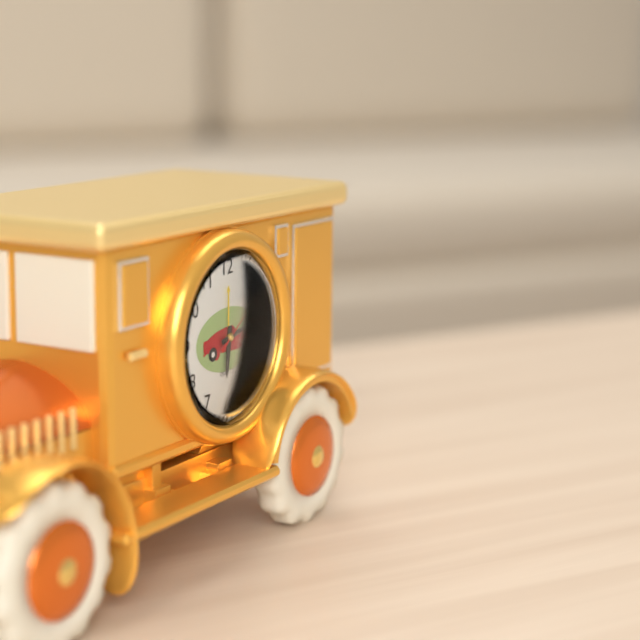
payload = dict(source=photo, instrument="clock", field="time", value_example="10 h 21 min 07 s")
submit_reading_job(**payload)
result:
6 h 13 min 09 s
